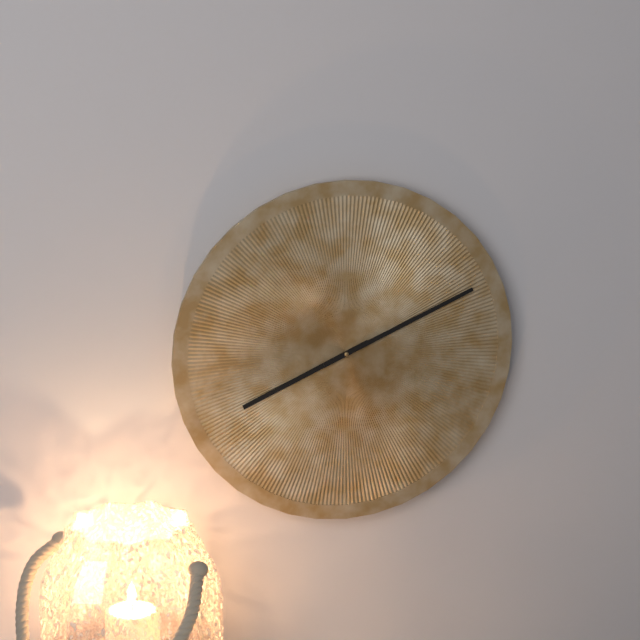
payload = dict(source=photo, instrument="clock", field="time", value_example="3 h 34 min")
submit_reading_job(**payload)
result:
8 h 11 min
